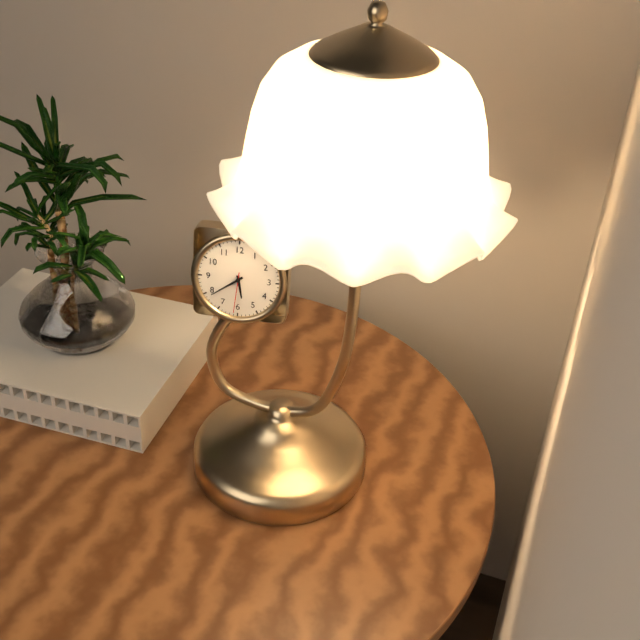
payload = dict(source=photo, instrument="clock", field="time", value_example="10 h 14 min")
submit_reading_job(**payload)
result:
5 h 39 min
